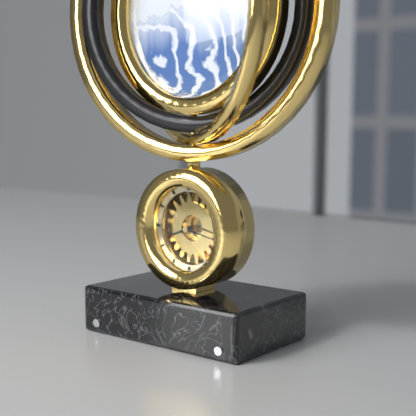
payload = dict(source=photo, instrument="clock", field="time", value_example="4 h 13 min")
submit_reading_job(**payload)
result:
8 h 17 min
